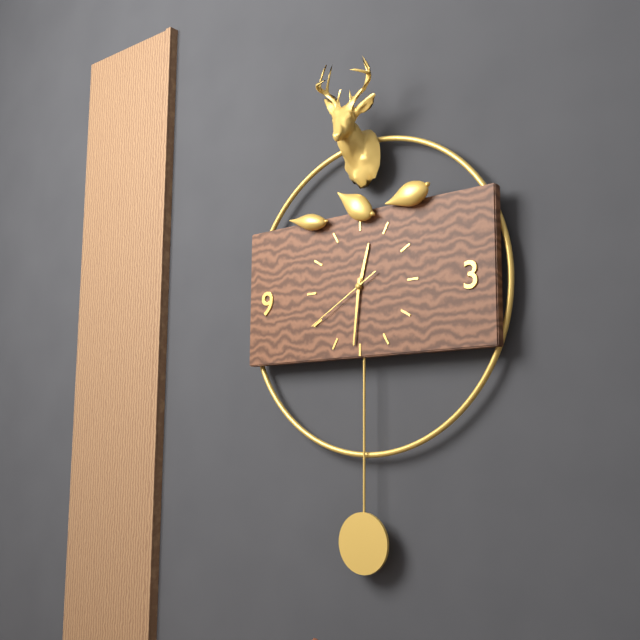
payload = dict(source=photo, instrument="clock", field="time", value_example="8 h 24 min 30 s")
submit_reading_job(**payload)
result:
12 h 31 min 40 s
